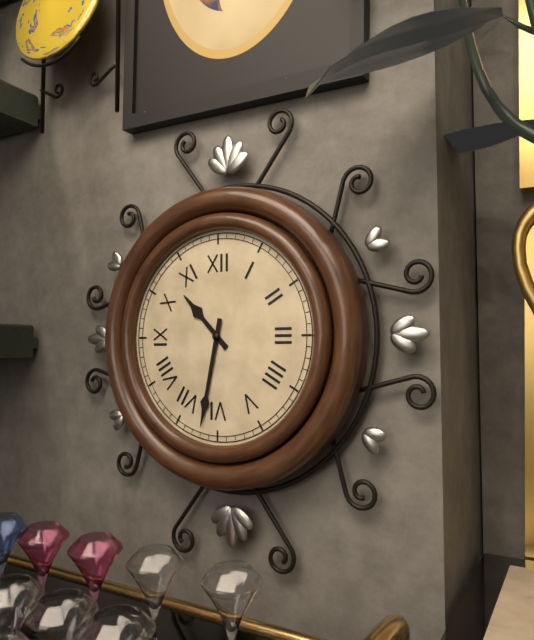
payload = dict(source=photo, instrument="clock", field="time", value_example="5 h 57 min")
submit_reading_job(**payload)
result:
10 h 32 min
